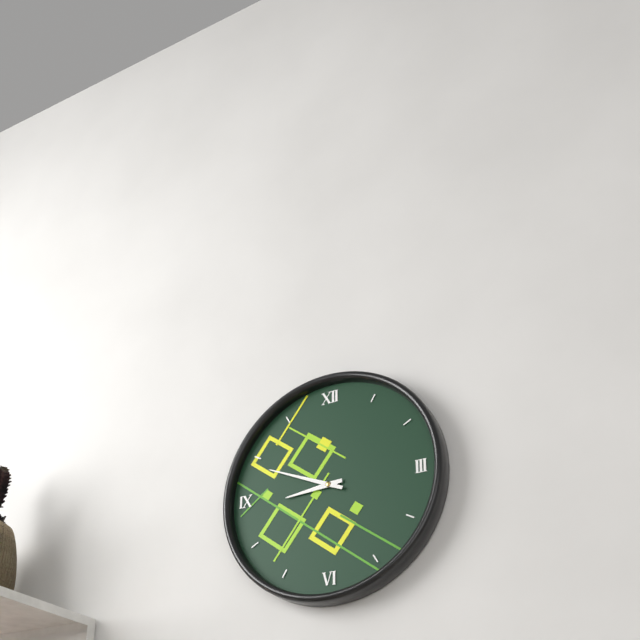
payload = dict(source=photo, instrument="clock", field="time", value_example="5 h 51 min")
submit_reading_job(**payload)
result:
8 h 49 min
